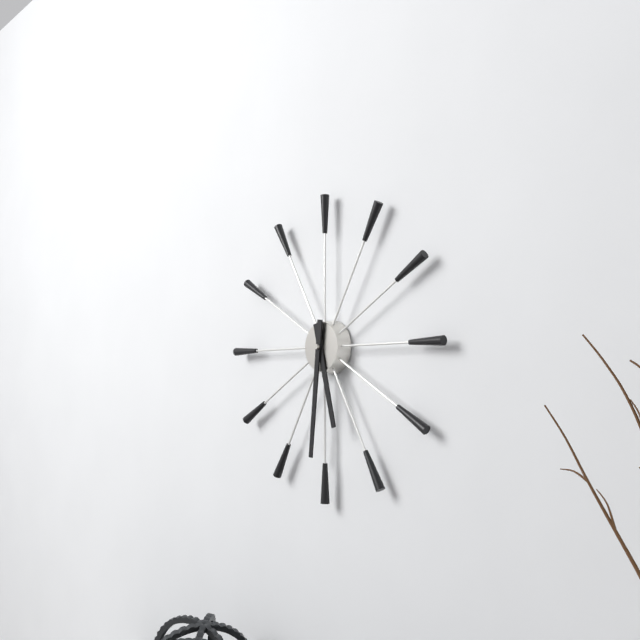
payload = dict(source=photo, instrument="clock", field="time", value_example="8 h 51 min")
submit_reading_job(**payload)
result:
5 h 31 min
